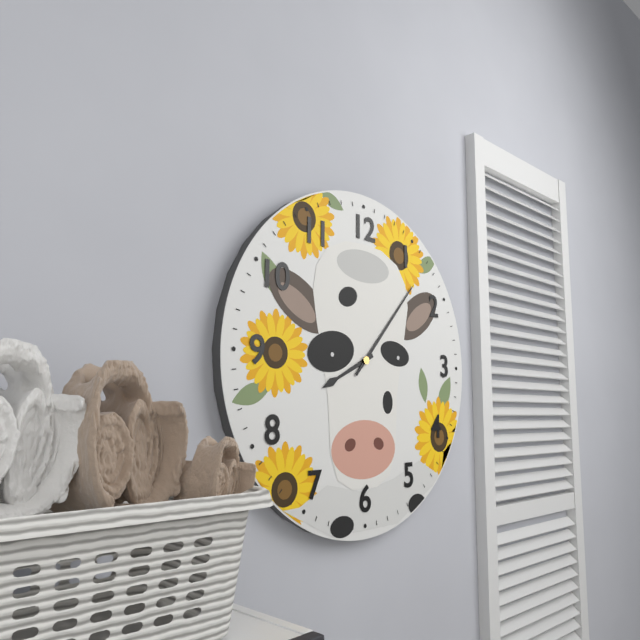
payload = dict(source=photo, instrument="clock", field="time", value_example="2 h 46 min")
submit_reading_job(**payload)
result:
8 h 07 min
